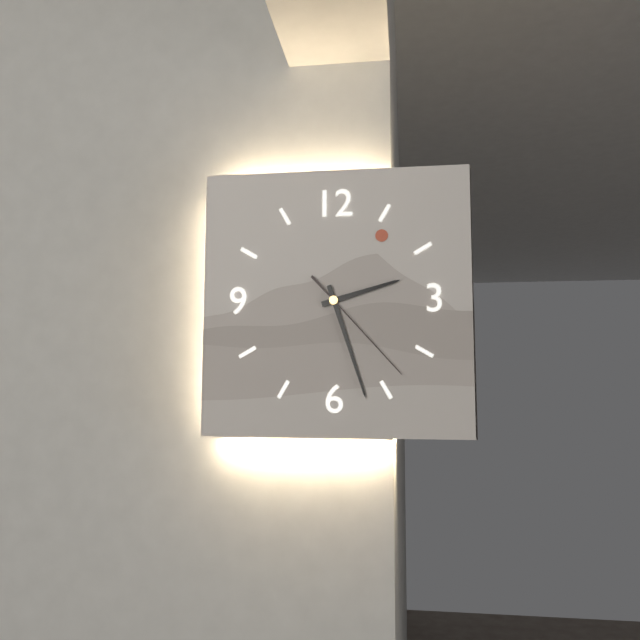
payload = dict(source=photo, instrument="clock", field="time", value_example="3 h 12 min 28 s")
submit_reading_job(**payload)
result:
2 h 27 min 23 s
